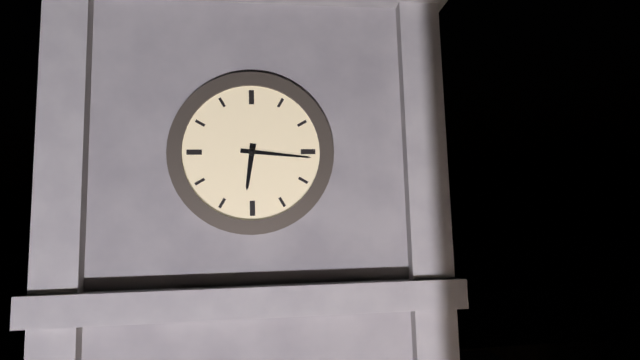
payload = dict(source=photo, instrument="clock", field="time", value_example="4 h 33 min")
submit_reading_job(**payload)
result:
6 h 16 min
